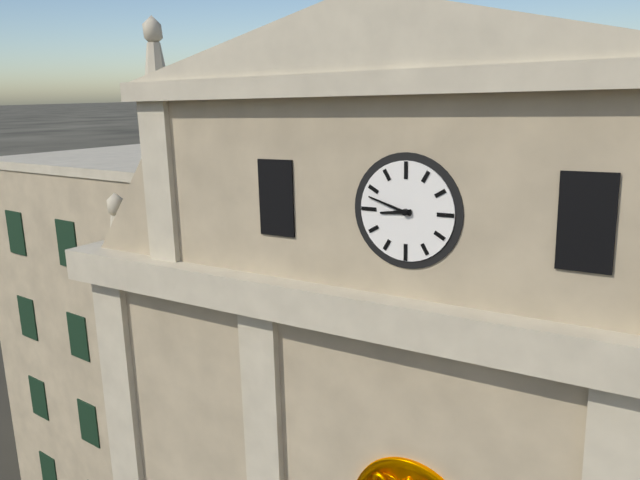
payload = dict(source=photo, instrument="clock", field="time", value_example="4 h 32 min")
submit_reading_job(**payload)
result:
8 h 48 min
